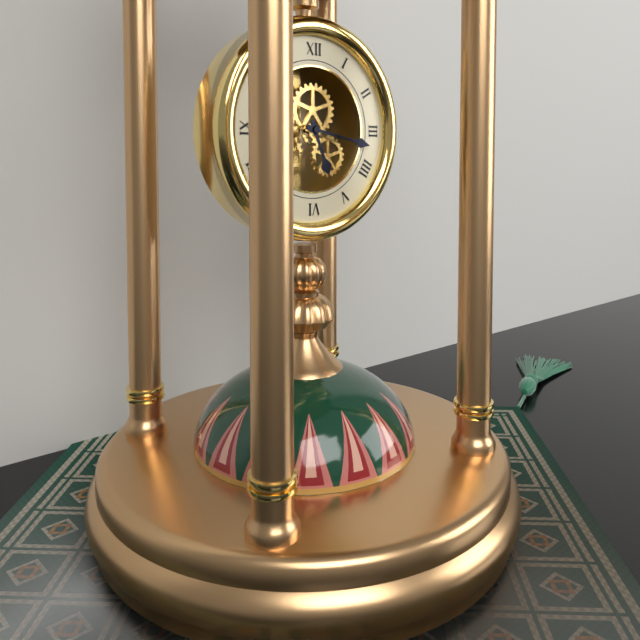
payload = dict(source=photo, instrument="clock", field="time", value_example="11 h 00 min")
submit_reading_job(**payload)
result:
5 h 17 min
